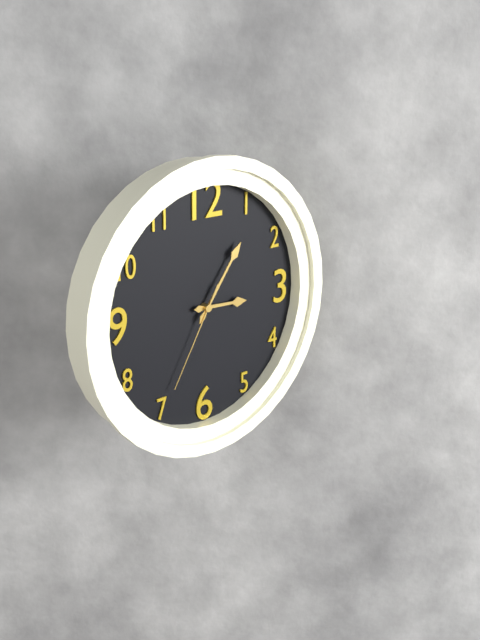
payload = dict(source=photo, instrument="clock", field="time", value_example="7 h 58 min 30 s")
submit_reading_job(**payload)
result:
3 h 06 min 35 s
